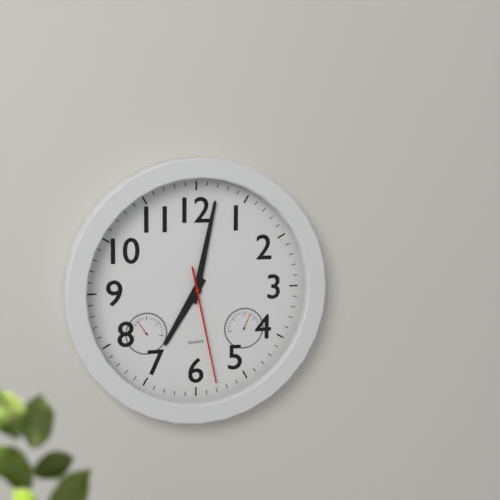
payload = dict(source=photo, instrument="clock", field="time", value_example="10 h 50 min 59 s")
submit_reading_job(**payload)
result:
7 h 02 min 28 s
